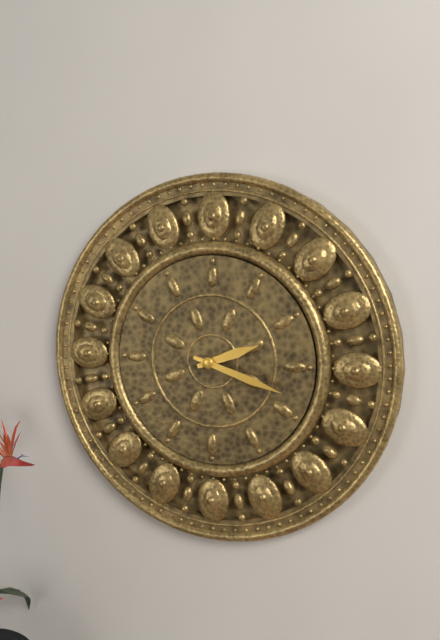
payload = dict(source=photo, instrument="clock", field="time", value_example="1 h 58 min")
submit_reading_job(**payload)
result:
2 h 18 min
